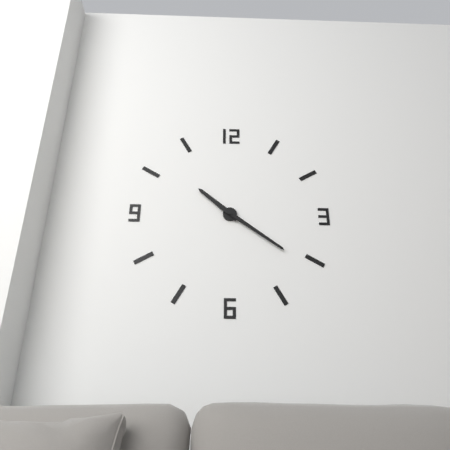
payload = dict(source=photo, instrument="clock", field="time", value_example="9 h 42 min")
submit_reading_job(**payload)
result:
10 h 21 min
